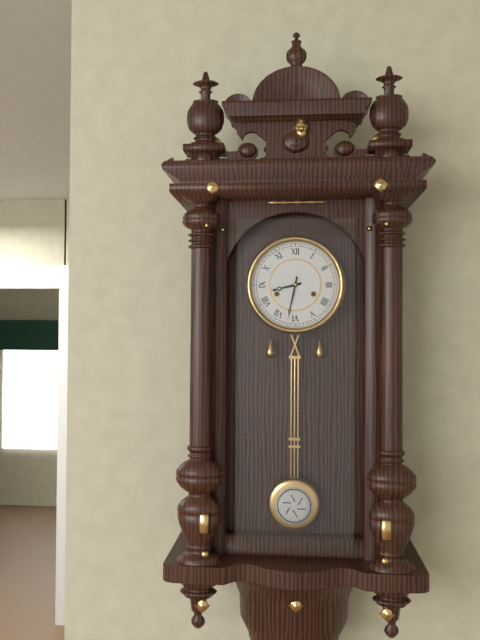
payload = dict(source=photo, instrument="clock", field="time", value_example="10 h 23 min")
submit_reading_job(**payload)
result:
8 h 32 min
